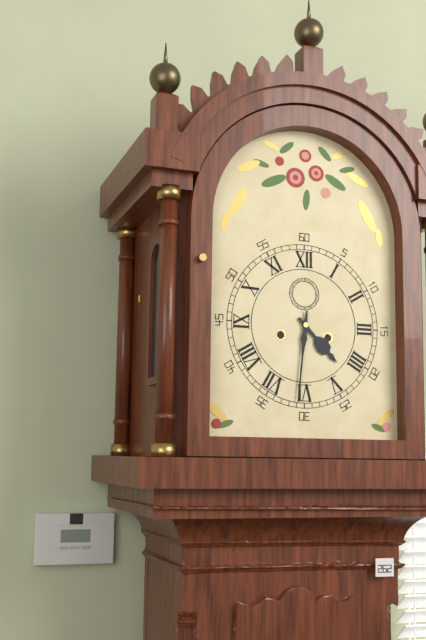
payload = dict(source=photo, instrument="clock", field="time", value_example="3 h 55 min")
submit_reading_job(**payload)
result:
4 h 31 min
